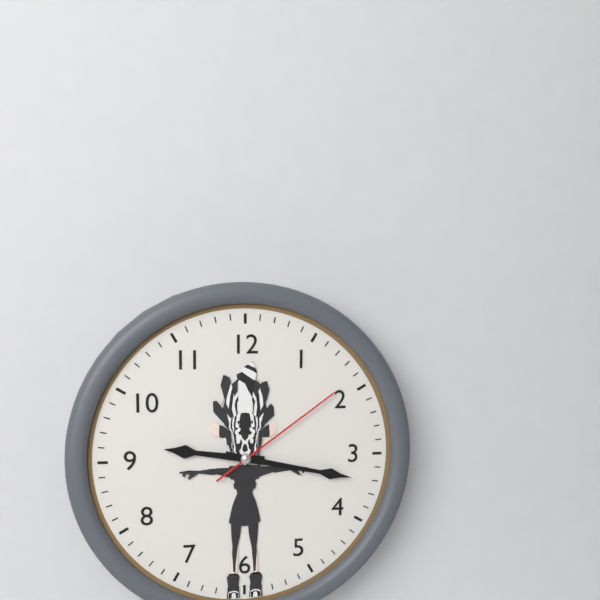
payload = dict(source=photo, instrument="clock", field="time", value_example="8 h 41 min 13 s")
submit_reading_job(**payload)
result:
9 h 17 min 09 s
